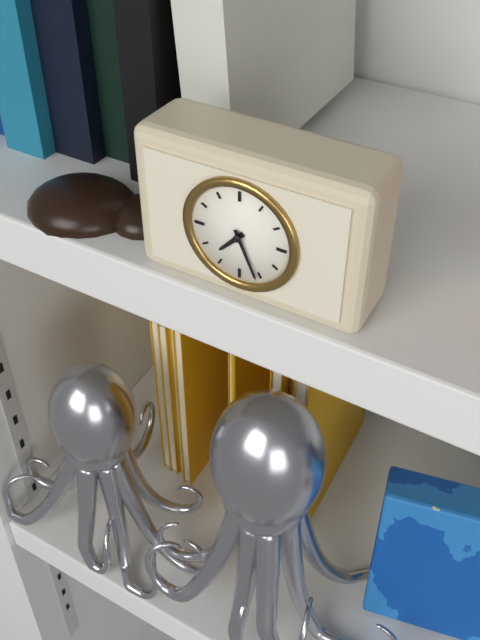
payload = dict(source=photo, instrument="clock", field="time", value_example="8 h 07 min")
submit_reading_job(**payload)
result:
7 h 26 min
